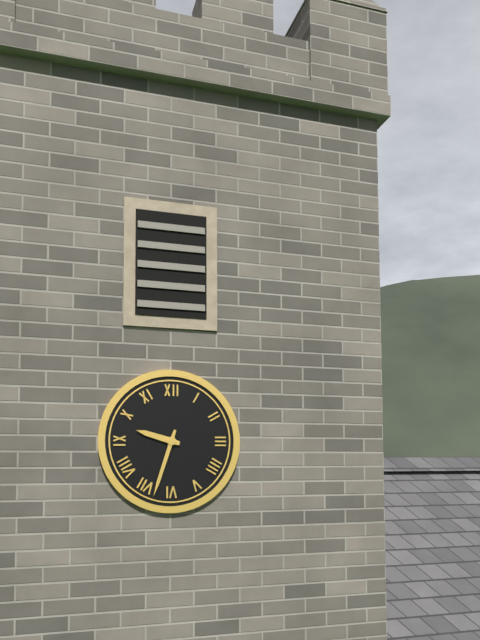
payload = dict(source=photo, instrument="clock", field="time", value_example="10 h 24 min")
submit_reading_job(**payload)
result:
9 h 33 min
